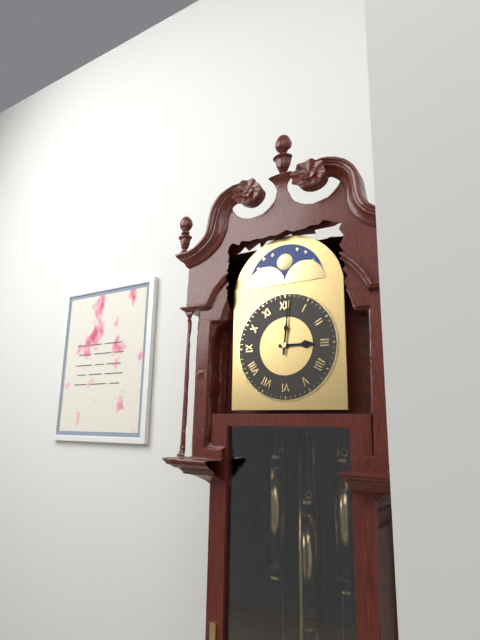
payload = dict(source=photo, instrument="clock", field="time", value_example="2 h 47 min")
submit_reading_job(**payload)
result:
3 h 01 min
